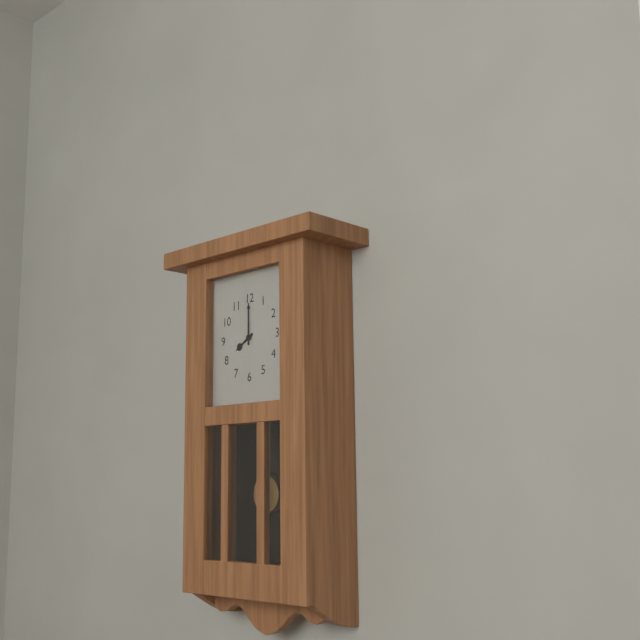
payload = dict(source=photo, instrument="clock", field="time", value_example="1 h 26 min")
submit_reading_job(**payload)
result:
8 h 00 min
